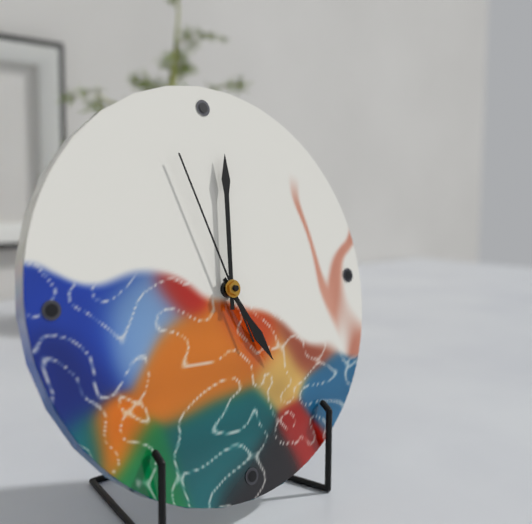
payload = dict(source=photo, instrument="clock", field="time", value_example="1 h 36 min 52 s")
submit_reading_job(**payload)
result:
5 h 01 min 57 s
